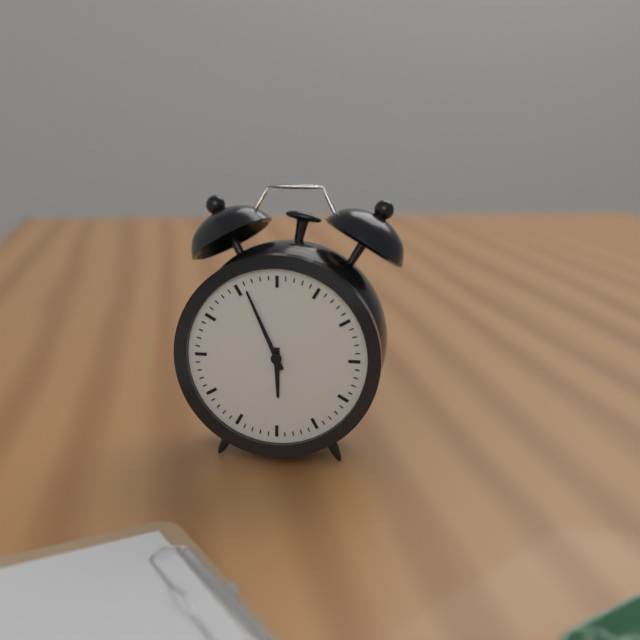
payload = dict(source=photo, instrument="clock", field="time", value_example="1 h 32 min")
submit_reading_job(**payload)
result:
5 h 56 min
